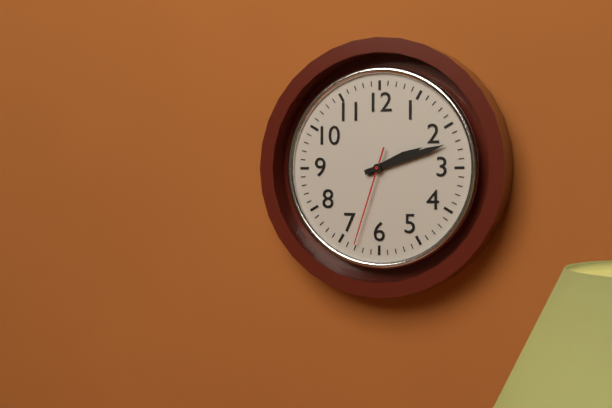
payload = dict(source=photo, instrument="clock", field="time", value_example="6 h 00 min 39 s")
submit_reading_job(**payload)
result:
2 h 12 min 33 s
